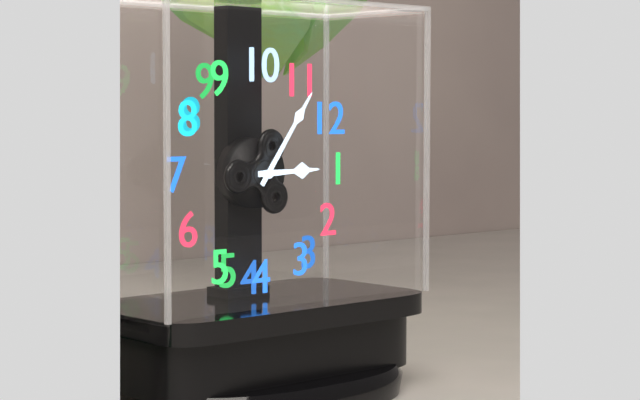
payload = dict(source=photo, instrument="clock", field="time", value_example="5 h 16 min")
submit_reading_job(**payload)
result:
12 h 56 min
